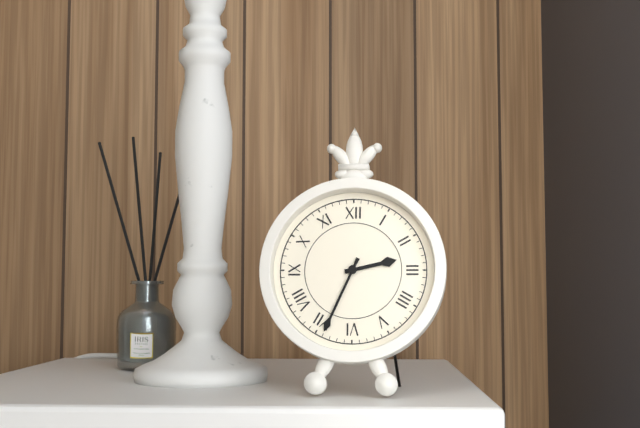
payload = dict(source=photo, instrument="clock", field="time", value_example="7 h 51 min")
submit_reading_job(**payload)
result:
2 h 34 min
